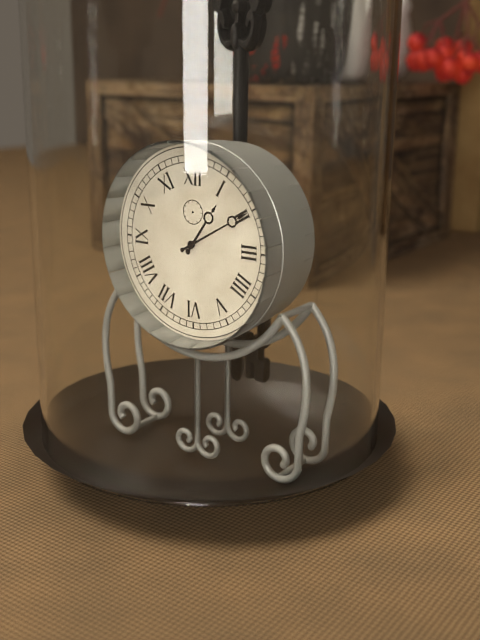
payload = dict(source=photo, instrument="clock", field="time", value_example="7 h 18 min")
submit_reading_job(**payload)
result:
1 h 10 min
